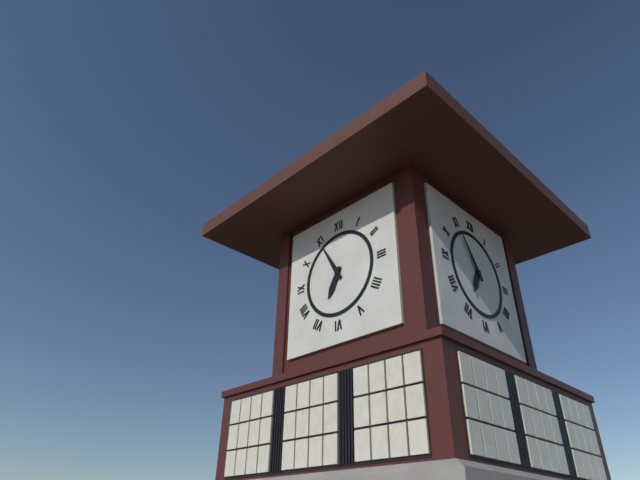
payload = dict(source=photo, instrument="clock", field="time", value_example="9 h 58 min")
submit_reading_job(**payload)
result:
6 h 55 min
